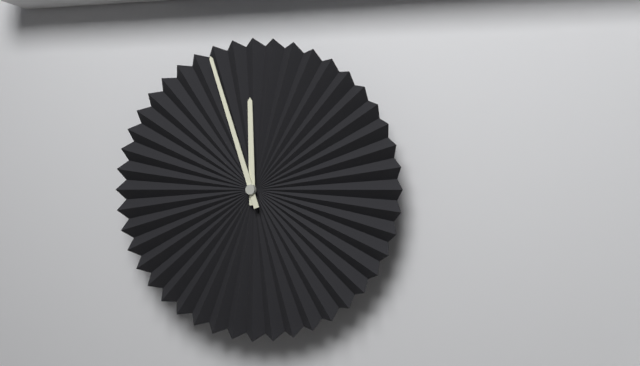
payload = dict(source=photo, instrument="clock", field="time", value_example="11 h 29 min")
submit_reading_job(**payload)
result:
11 h 57 min
